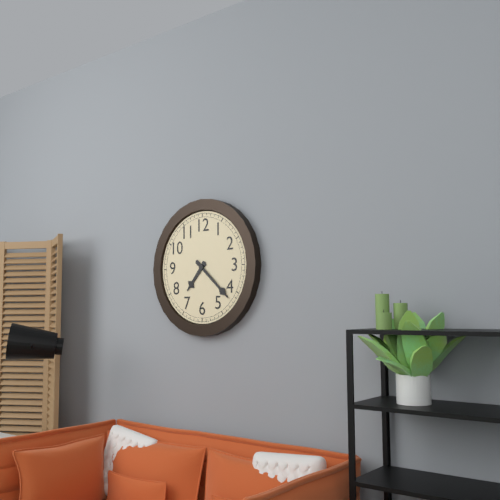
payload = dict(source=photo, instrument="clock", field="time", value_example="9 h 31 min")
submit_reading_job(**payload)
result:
7 h 22 min
